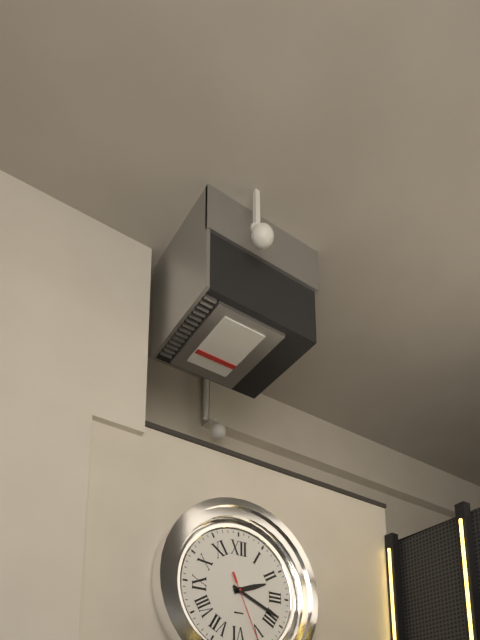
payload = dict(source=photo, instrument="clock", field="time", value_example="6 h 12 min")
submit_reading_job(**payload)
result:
2 h 19 min
